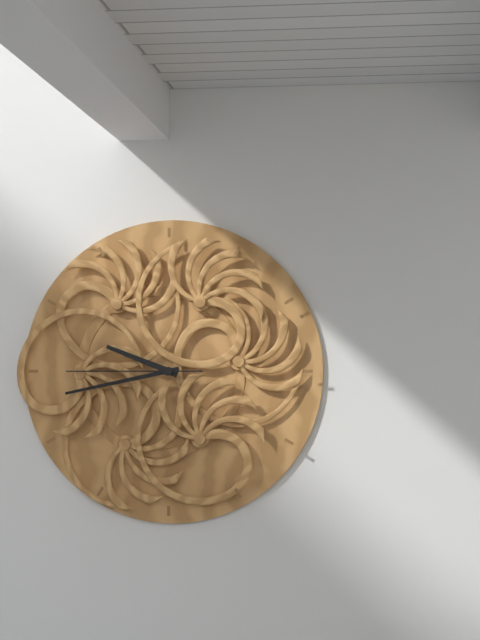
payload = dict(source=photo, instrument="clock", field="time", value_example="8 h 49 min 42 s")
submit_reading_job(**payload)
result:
9 h 43 min 45 s
